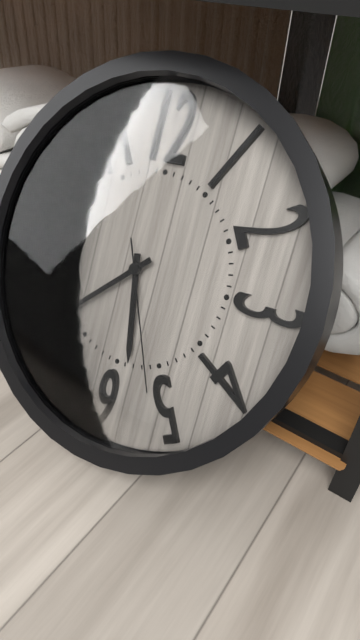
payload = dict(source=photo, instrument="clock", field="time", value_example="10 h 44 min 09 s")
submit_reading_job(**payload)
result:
5 h 38 min 26 s
